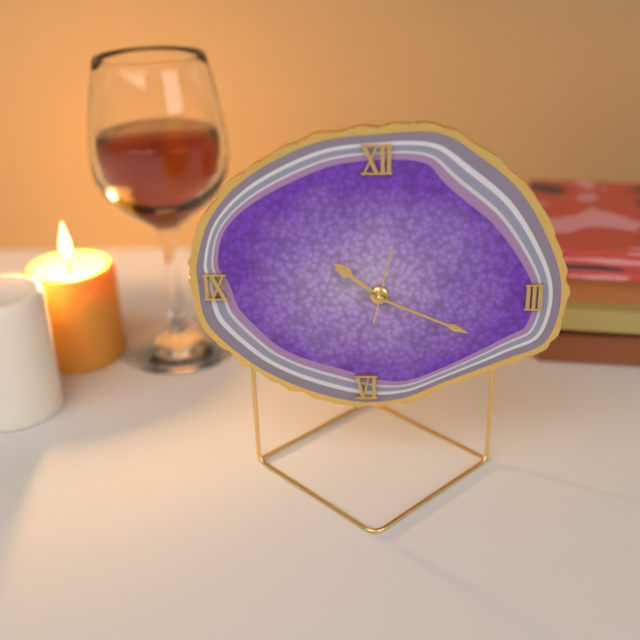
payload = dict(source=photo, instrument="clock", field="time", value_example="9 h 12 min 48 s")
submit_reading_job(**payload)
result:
10 h 19 min 02 s
